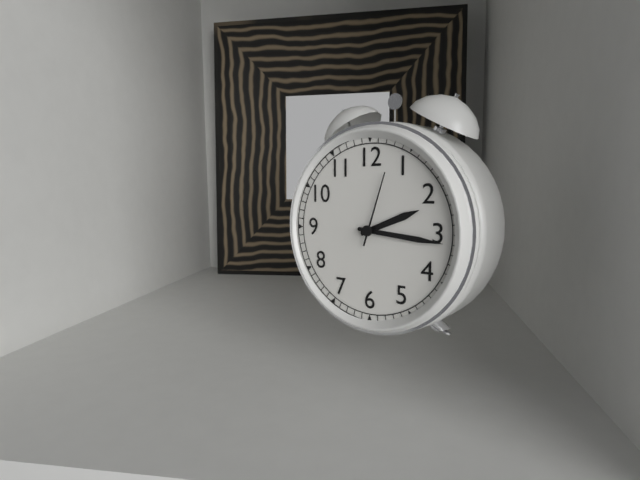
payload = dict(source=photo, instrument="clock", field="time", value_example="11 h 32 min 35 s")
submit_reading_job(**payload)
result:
2 h 16 min 03 s
